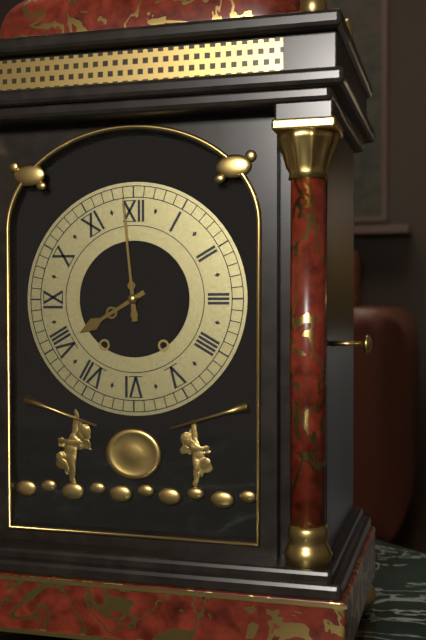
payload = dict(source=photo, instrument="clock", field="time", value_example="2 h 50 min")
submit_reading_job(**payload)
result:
7 h 59 min
